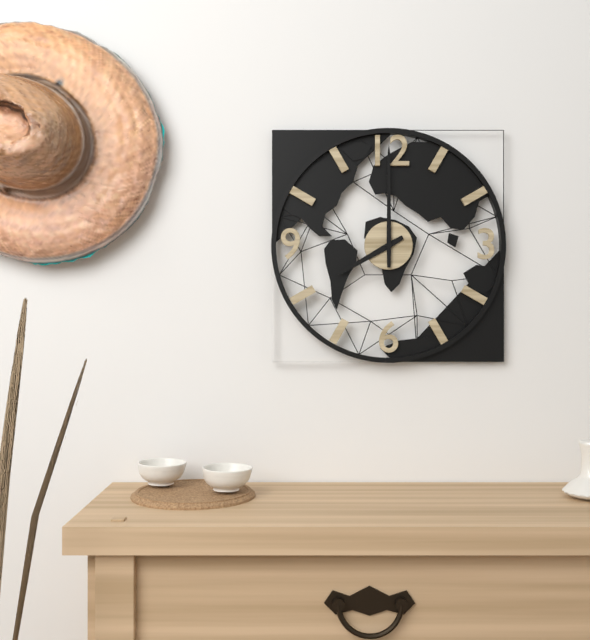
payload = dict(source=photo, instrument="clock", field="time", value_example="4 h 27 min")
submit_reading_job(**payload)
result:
8 h 00 min
